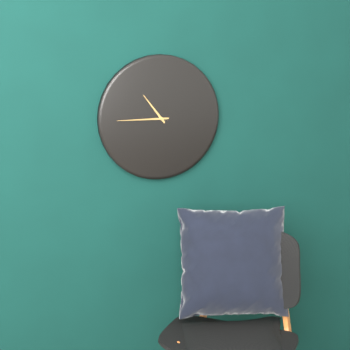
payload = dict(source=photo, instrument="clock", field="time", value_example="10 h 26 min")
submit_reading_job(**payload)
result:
10 h 45 min
